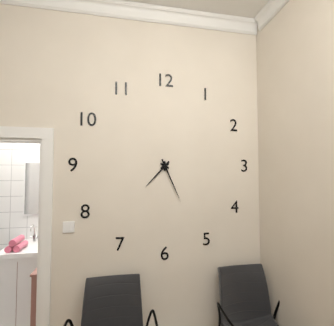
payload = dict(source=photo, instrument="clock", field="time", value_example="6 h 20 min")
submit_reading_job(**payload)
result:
7 h 26 min
